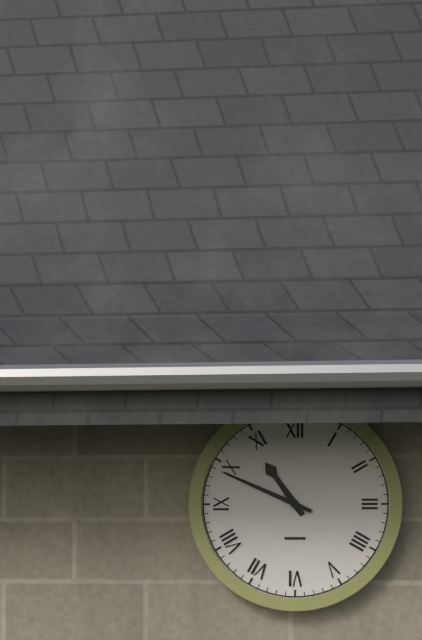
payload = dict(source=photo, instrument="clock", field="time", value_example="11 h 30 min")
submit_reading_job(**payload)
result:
10 h 49 min
